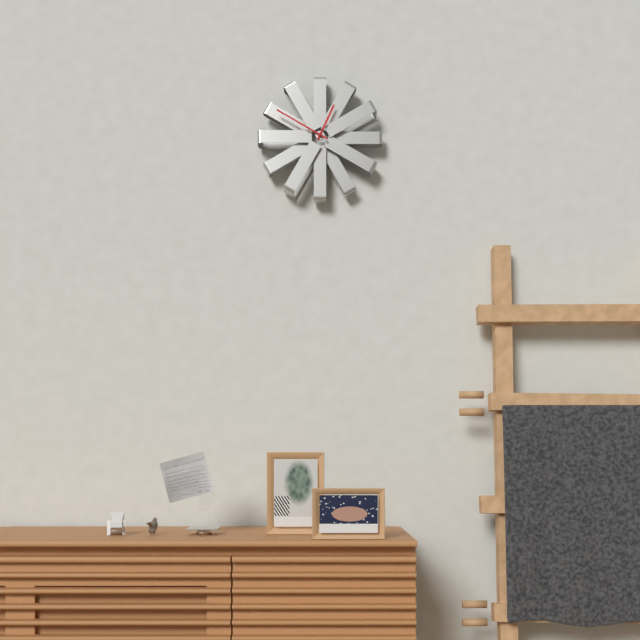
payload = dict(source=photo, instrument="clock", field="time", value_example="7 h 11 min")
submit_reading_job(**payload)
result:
12 h 50 min
